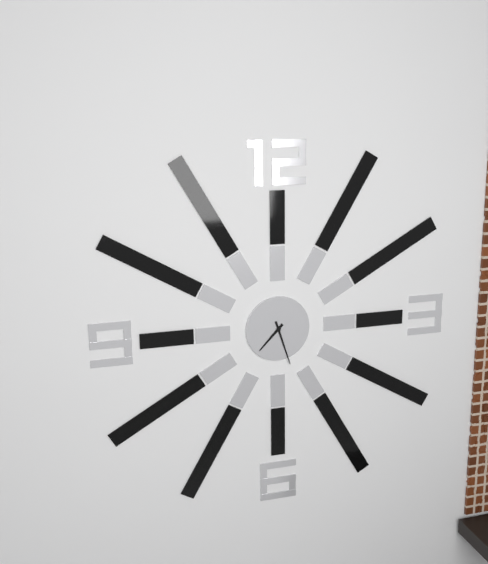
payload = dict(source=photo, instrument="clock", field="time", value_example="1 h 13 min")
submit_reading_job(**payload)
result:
7 h 27 min
